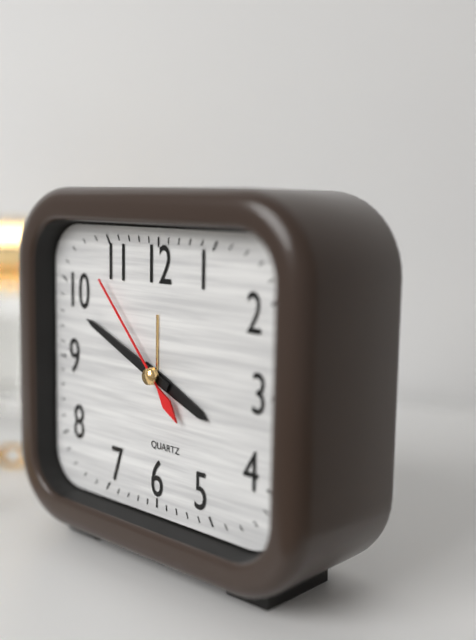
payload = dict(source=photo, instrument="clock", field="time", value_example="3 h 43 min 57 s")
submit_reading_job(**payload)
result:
3 h 49 min 53 s
